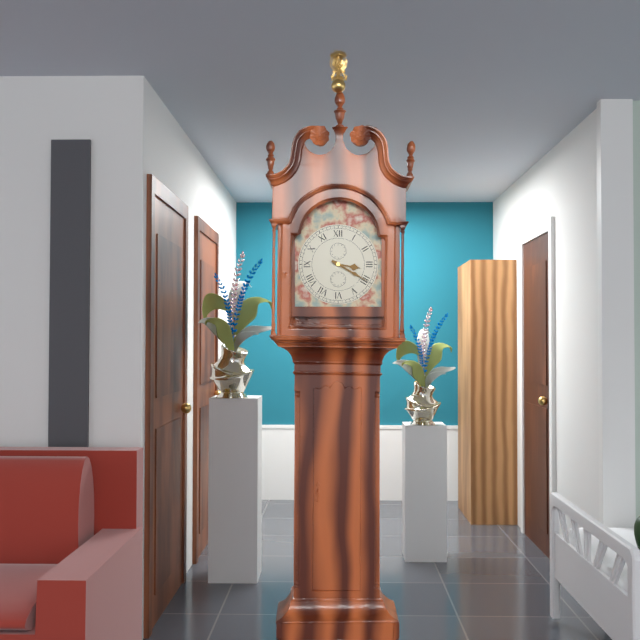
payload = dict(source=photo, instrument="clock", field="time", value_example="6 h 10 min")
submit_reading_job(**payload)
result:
3 h 20 min
